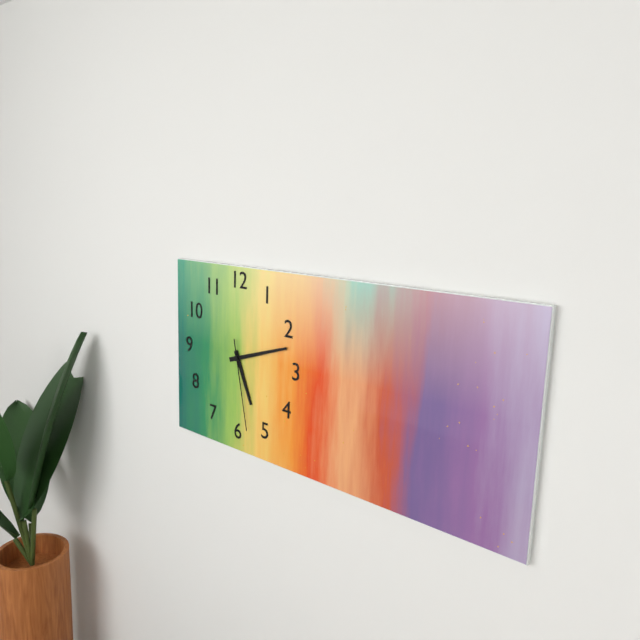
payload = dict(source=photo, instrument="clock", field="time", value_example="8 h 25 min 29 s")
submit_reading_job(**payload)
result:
5 h 12 min 28 s
